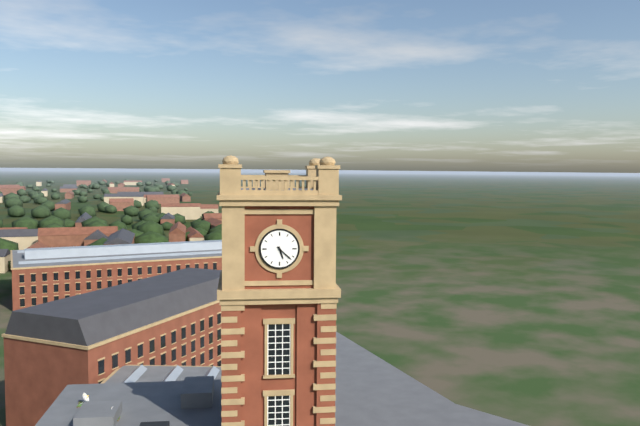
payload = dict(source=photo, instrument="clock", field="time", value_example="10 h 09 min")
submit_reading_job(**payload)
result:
5 h 22 min
